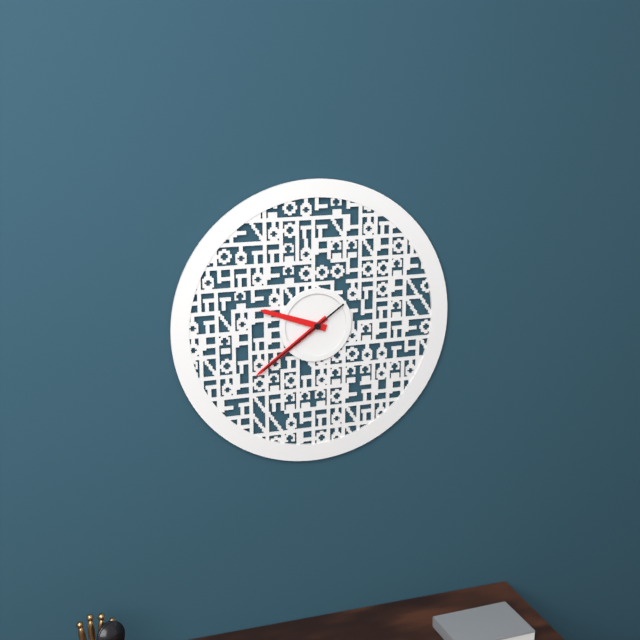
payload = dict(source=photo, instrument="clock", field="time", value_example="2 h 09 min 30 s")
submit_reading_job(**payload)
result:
9 h 39 min 39 s
